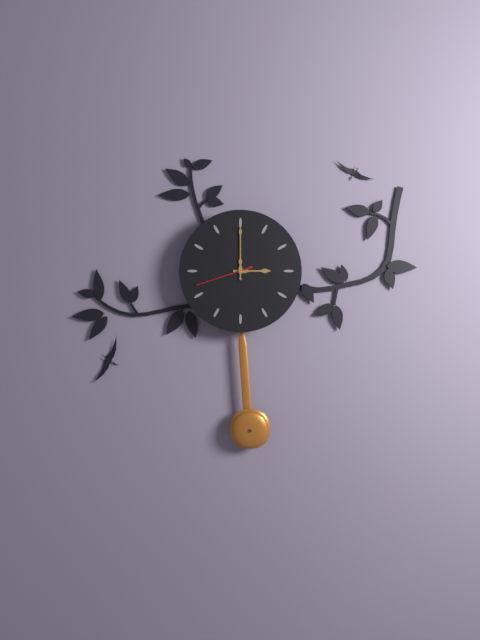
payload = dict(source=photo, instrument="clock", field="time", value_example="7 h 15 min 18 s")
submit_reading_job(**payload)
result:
3 h 00 min 42 s
